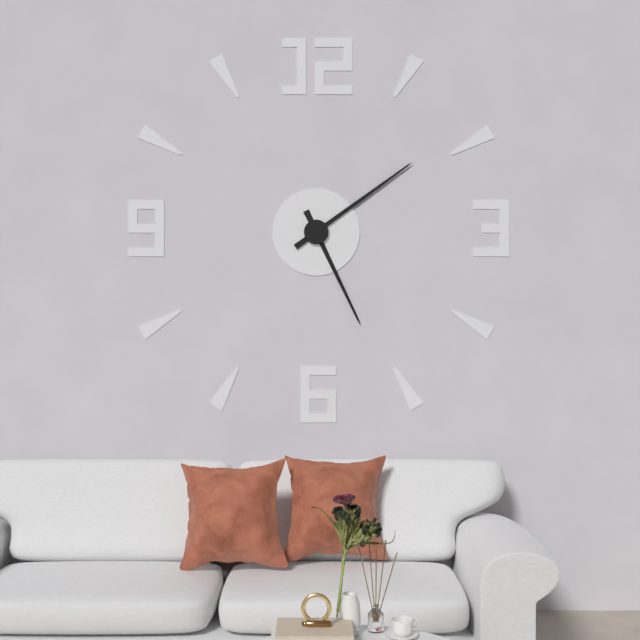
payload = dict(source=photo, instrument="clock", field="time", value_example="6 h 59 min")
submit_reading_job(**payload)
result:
5 h 09 min
